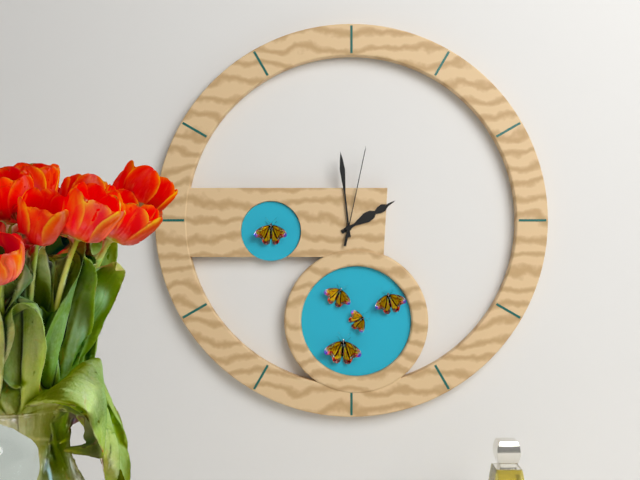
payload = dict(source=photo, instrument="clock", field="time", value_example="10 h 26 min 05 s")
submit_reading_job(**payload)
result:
1 h 59 min 02 s
